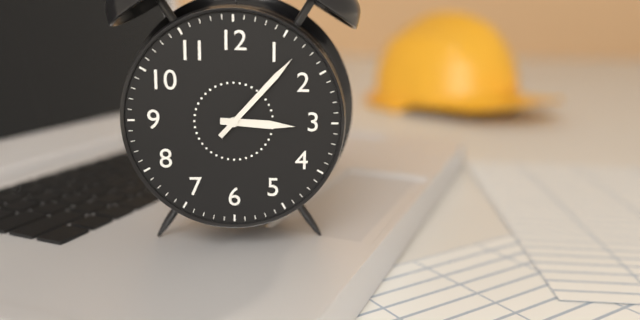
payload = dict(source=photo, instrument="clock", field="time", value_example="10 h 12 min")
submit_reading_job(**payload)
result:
3 h 07 min
